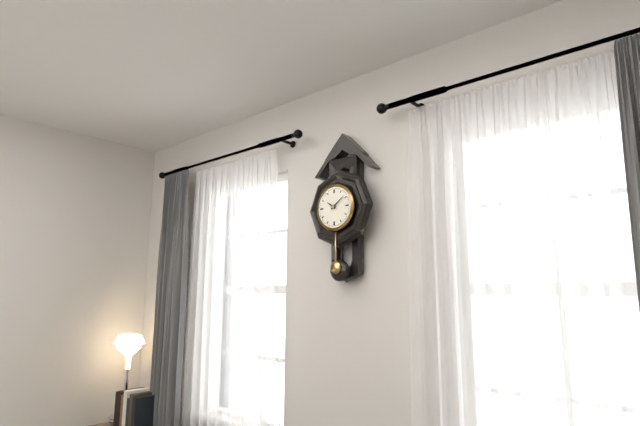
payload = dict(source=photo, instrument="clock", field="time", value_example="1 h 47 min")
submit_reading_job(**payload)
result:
10 h 09 min
